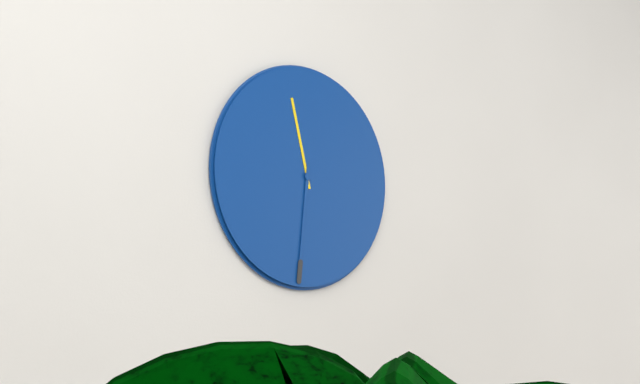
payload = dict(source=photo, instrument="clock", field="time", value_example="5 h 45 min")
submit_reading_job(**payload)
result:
11 h 31 min
